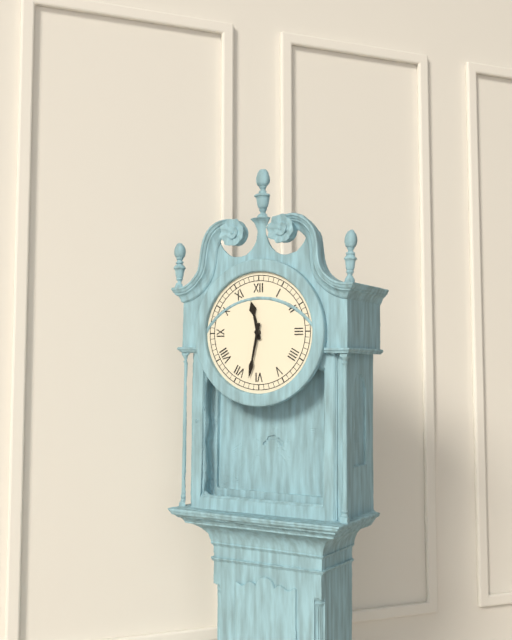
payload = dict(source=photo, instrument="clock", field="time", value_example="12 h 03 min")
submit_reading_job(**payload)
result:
11 h 32 min
